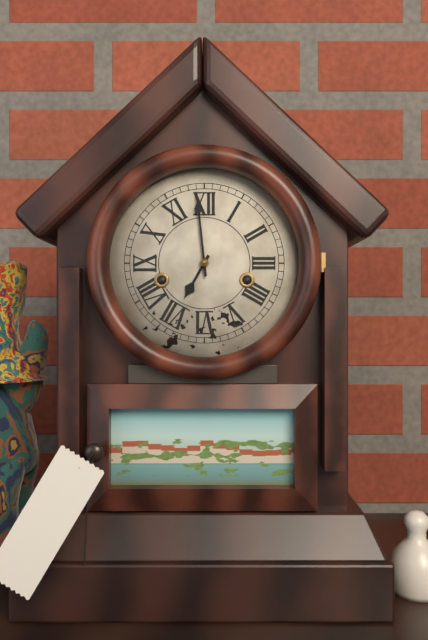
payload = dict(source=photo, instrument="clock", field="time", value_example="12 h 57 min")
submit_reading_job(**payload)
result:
6 h 59 min
